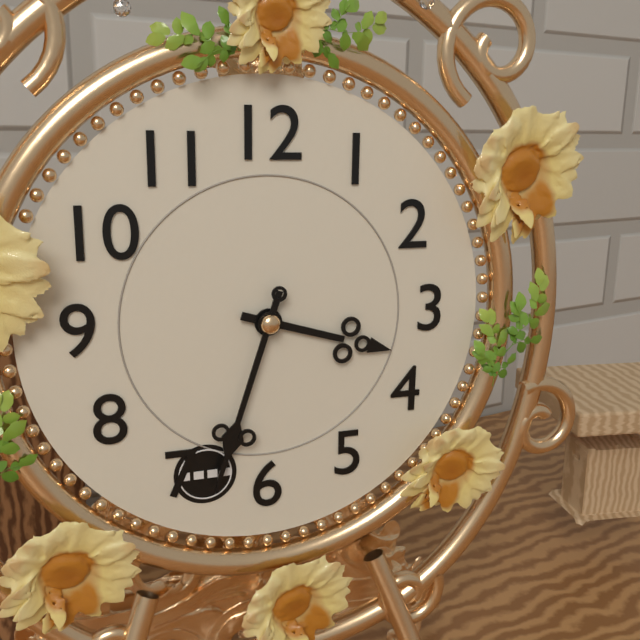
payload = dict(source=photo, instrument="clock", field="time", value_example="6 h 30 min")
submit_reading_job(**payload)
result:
3 h 33 min
